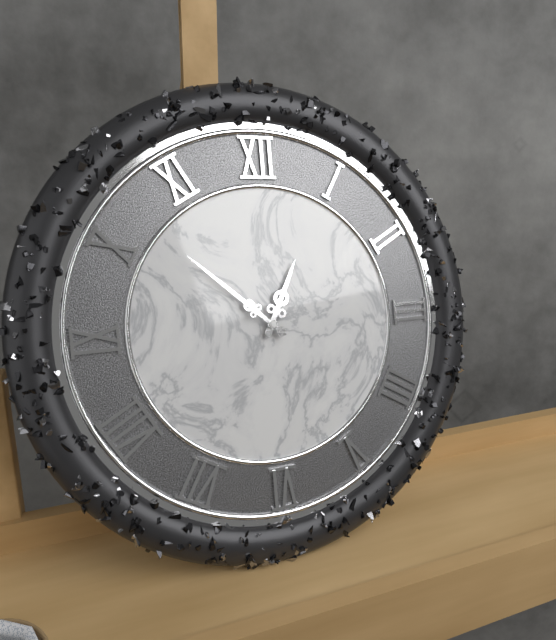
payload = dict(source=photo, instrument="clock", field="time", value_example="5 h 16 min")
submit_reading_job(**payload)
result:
12 h 52 min
